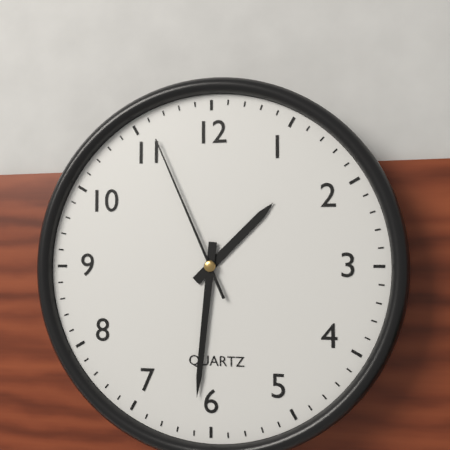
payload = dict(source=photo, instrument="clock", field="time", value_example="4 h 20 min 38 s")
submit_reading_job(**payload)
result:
1 h 31 min 56 s
